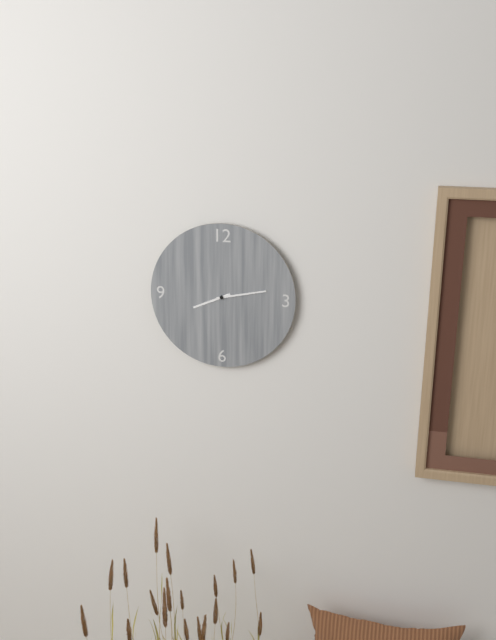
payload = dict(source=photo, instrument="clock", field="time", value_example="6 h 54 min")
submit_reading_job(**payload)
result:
8 h 13 min
